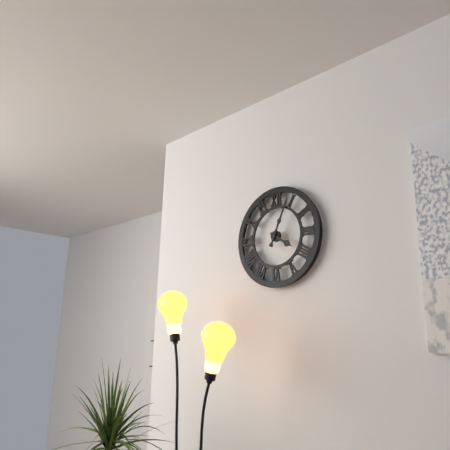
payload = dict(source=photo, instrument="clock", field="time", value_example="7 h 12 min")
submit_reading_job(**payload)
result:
4 h 04 min
